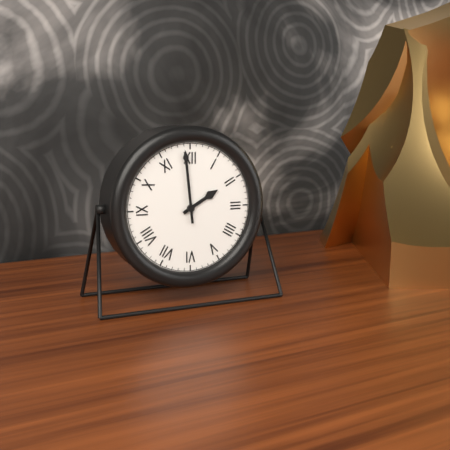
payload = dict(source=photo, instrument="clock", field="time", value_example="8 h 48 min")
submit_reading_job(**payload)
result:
1 h 59 min
